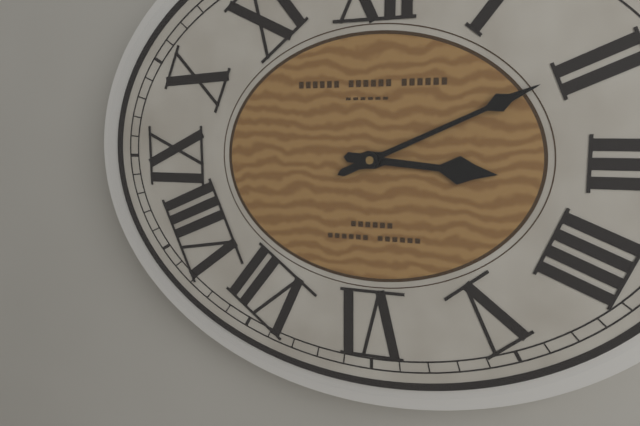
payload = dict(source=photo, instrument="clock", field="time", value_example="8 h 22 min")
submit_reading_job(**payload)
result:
3 h 11 min
